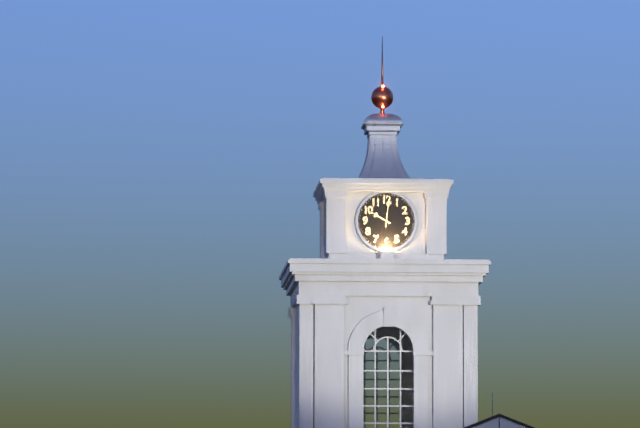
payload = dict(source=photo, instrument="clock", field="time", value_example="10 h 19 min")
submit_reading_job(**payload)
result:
10 h 01 min
